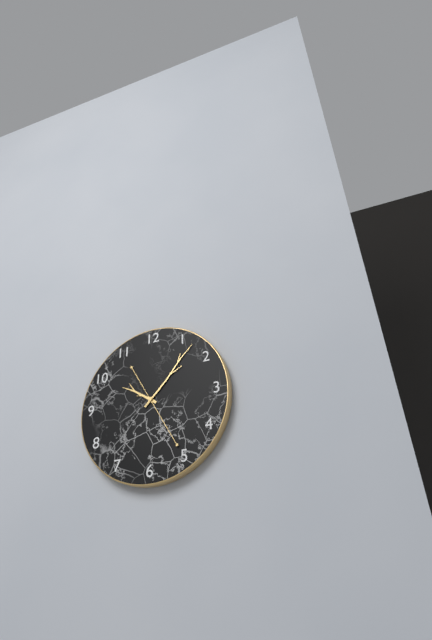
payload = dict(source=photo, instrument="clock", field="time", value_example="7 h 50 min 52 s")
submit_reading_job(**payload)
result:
10 h 07 min 25 s
